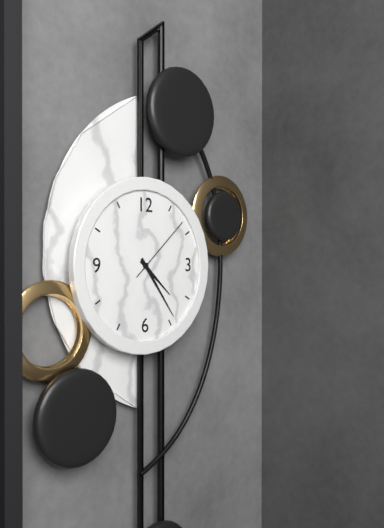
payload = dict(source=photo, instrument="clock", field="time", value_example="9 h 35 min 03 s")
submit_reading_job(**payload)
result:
4 h 24 min 08 s
